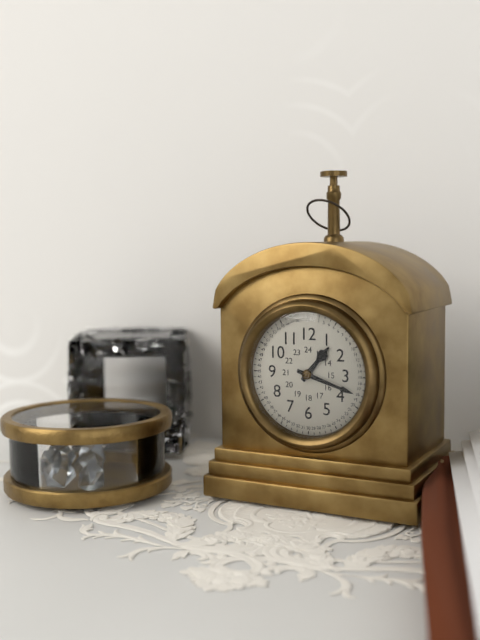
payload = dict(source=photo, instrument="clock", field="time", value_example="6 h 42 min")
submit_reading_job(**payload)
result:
1 h 18 min
